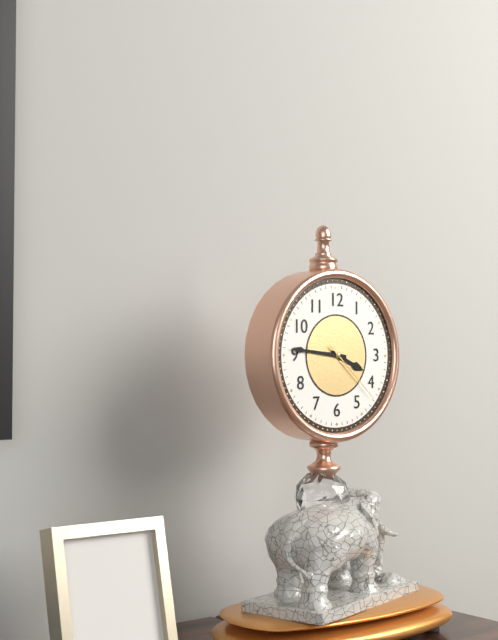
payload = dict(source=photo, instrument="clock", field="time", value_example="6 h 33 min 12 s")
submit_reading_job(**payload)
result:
3 h 46 min 22 s
